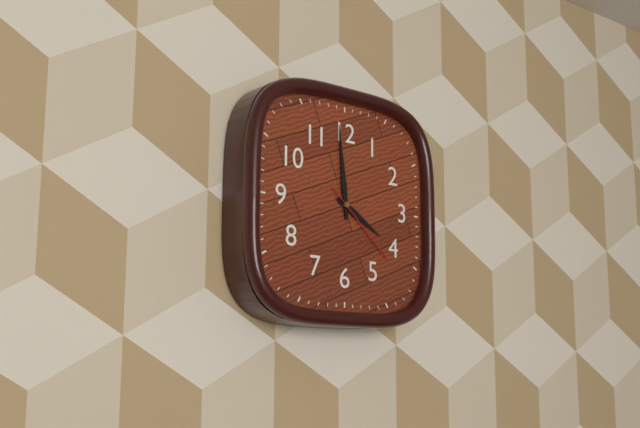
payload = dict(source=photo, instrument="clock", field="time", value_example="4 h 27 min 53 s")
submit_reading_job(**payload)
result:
3 h 59 min 22 s
